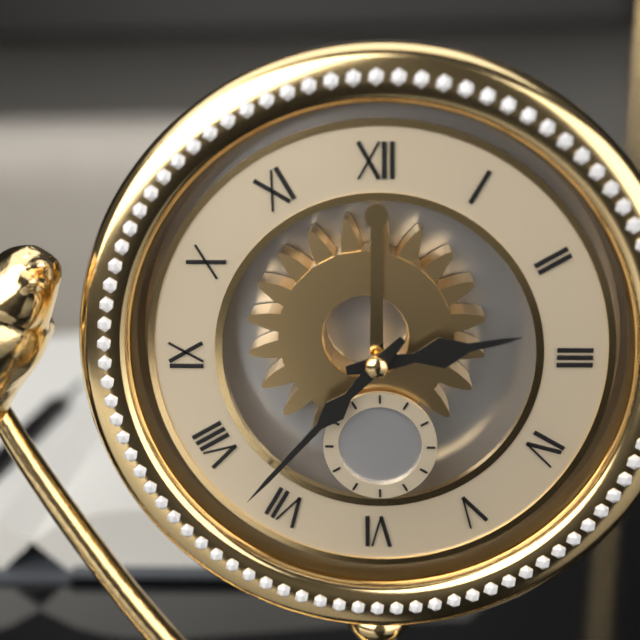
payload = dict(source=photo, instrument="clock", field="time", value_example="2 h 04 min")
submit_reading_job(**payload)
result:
2 h 37 min
